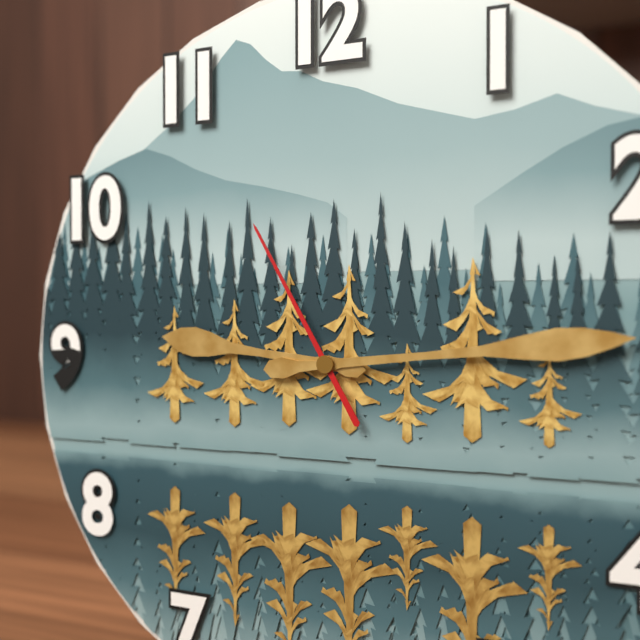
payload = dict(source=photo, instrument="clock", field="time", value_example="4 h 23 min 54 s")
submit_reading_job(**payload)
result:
9 h 14 min 55 s
